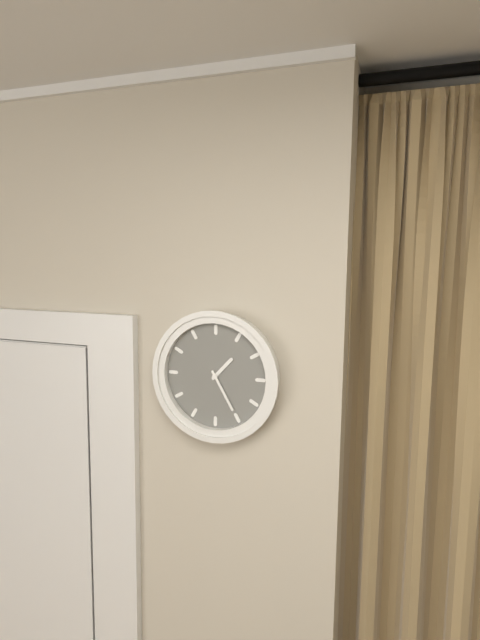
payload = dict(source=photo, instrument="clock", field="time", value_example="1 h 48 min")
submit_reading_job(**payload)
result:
1 h 25 min
